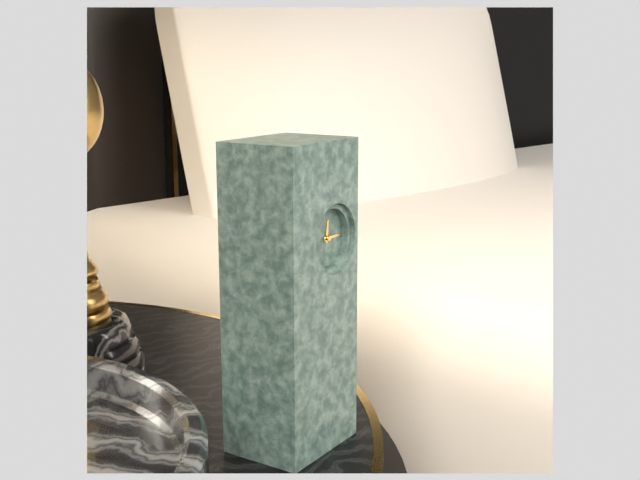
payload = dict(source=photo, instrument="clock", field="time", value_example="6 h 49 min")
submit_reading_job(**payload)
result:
12 h 15 min
